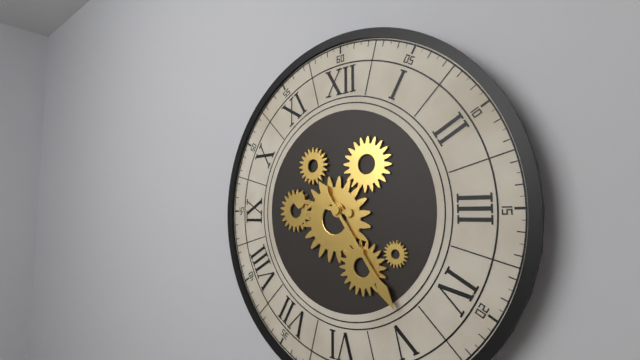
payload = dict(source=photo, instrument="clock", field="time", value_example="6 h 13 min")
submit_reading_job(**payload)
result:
9 h 24 min
